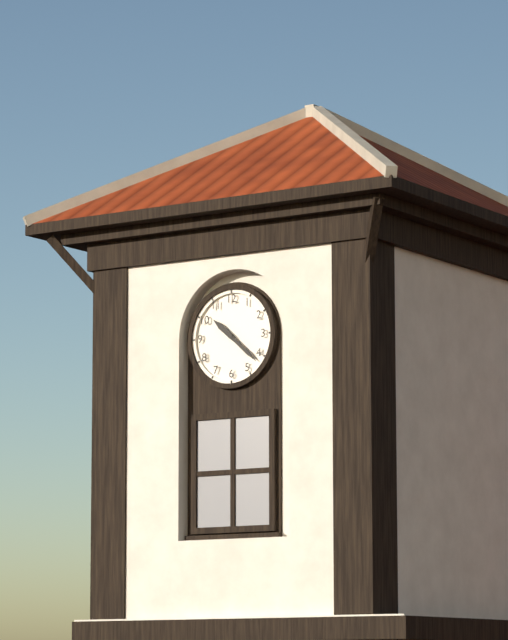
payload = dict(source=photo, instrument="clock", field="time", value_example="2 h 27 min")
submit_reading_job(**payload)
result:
10 h 22 min
